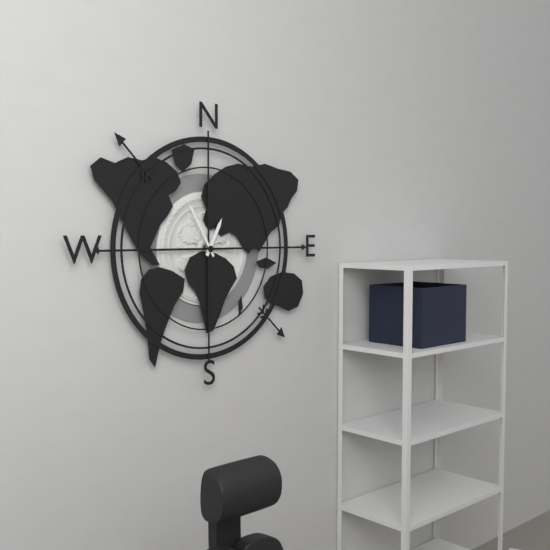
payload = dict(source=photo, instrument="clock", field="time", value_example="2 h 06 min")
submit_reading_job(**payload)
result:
12 h 55 min
